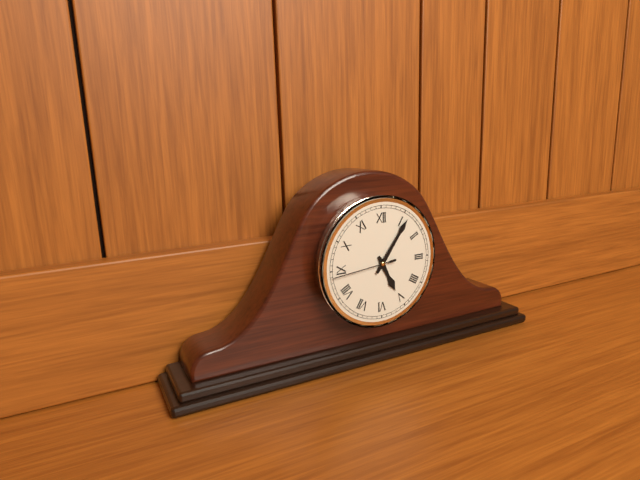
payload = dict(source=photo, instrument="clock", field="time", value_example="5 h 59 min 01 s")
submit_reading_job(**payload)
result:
5 h 06 min 44 s
